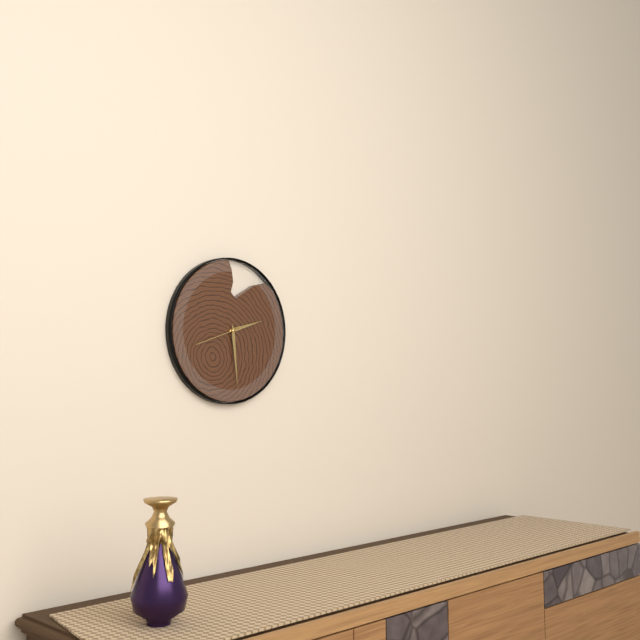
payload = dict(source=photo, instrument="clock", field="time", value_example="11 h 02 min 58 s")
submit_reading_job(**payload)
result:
2 h 29 min 42 s
